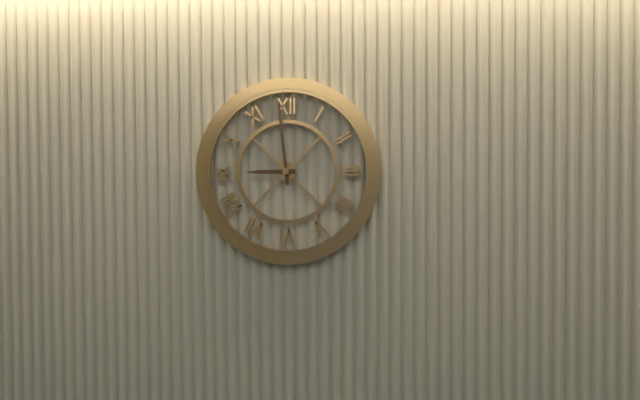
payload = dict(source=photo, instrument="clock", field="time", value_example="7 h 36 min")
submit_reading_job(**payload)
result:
8 h 59 min
